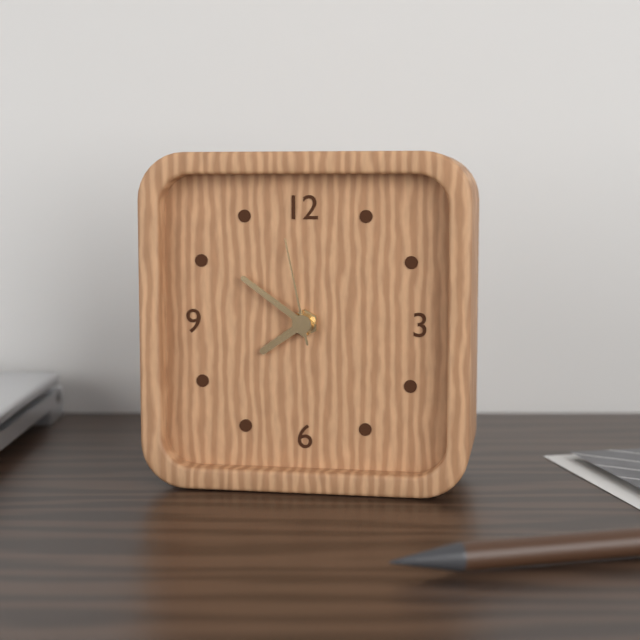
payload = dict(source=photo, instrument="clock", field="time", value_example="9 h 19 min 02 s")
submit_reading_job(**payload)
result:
7 h 51 min 58 s
